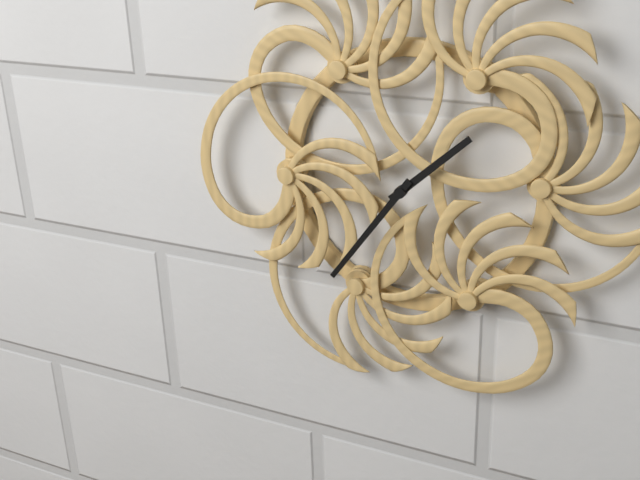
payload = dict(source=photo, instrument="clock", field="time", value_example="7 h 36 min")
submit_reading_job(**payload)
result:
1 h 36 min
